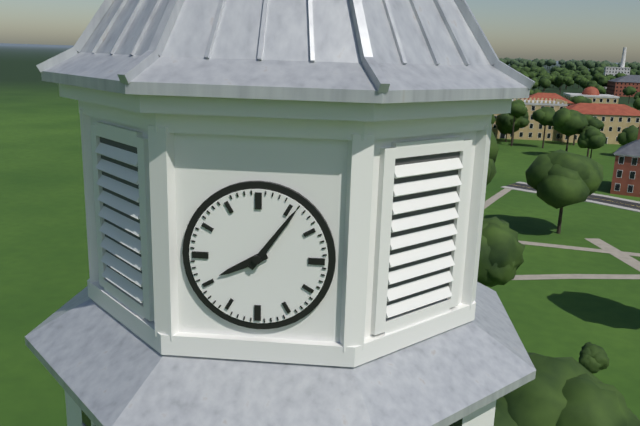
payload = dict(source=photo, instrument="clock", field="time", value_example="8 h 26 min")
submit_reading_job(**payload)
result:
8 h 06 min
